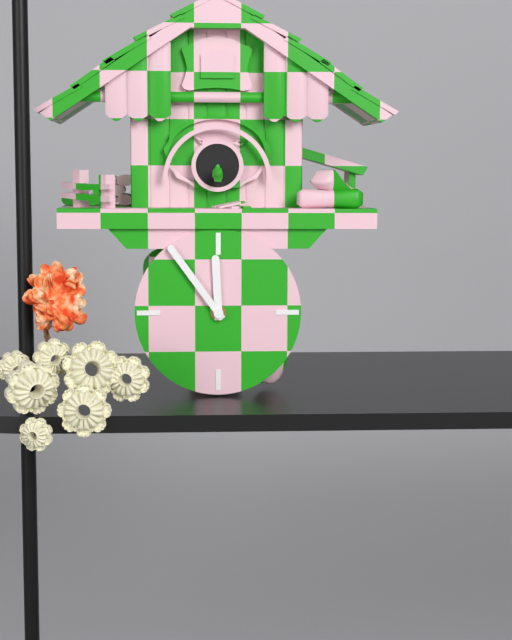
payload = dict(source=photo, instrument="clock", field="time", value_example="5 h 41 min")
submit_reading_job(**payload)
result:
11 h 54 min
